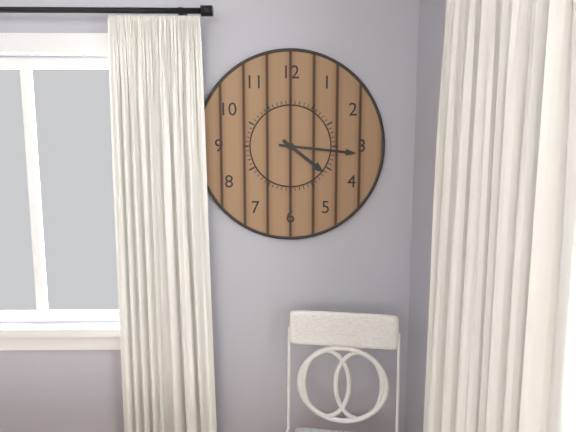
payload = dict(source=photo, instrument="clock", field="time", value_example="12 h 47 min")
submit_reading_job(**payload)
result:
4 h 16 min
